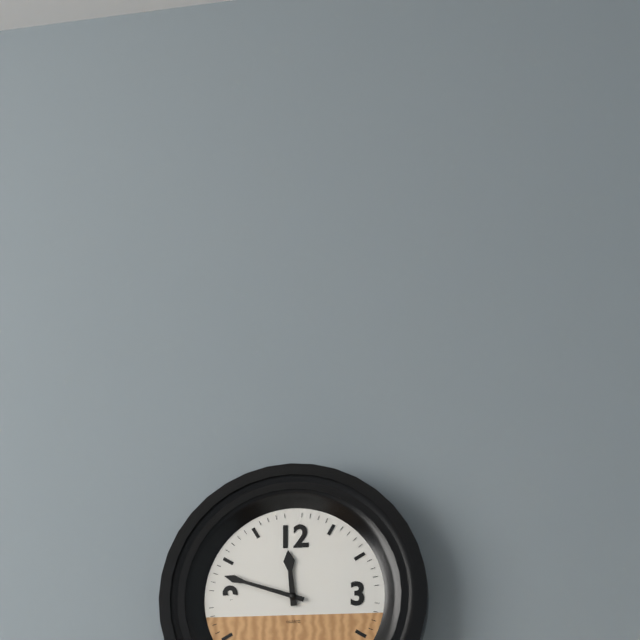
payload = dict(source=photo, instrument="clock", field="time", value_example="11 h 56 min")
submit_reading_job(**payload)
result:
11 h 48 min
